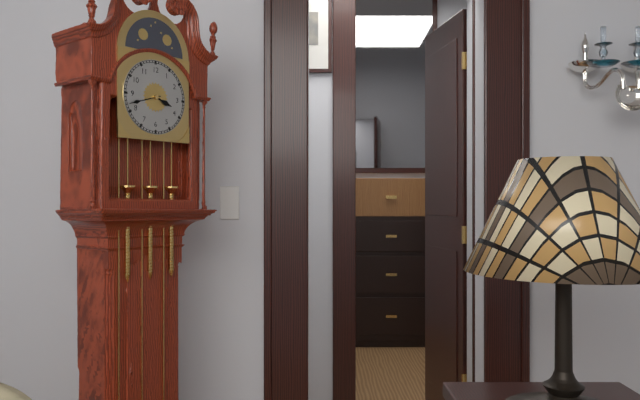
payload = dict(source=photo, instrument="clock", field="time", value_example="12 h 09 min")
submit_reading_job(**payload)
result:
3 h 42 min
